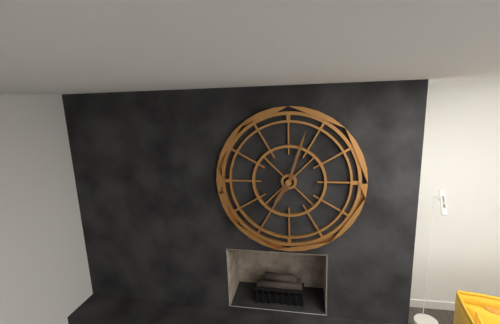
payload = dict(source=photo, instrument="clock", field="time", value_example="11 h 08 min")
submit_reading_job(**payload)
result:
7 h 03 min
